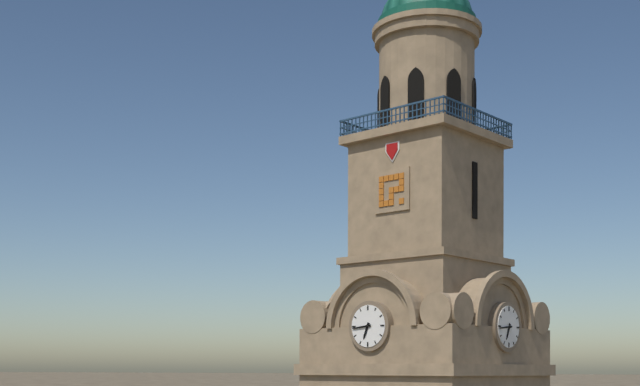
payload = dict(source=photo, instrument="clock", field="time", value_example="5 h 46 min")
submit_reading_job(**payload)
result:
6 h 44 min
